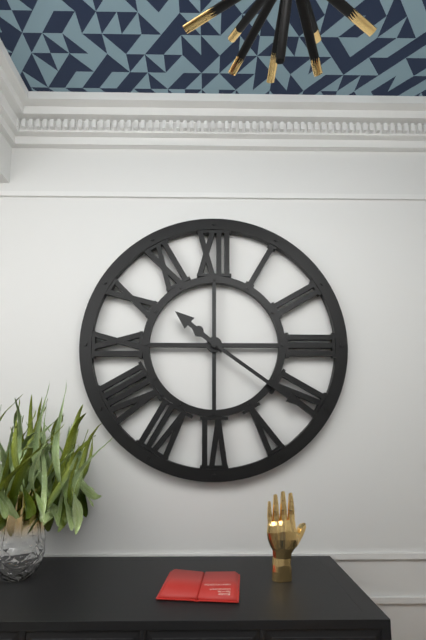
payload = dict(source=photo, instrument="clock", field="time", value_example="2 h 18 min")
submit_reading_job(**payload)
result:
10 h 21 min
